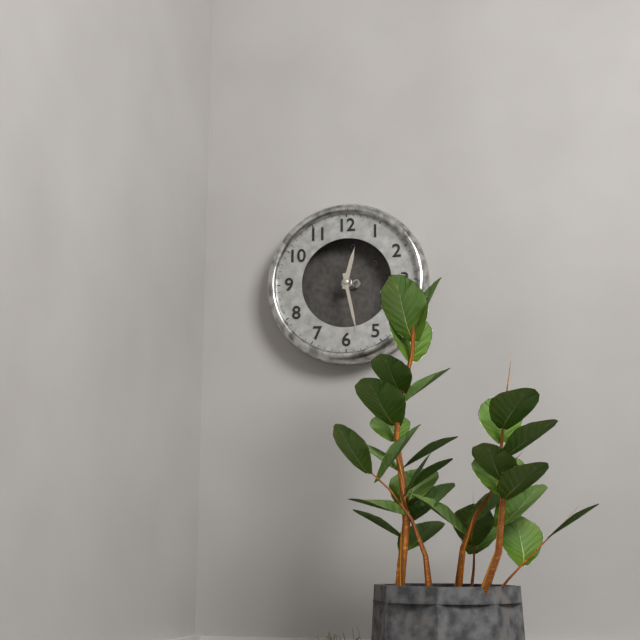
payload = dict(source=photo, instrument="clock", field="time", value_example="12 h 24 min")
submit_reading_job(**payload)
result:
12 h 28 min
